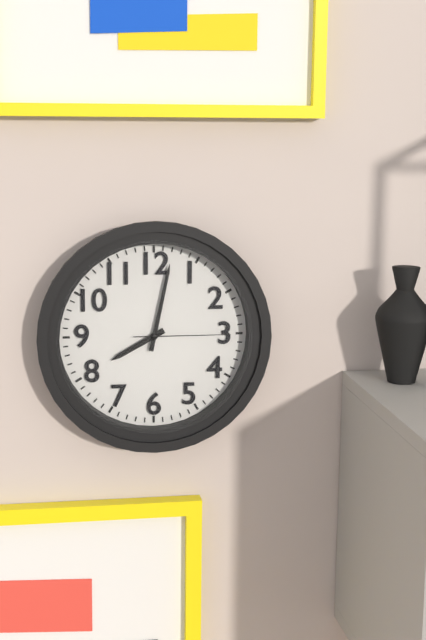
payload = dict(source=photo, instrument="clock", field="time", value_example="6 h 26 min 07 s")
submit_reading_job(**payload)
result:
8 h 02 min 15 s
